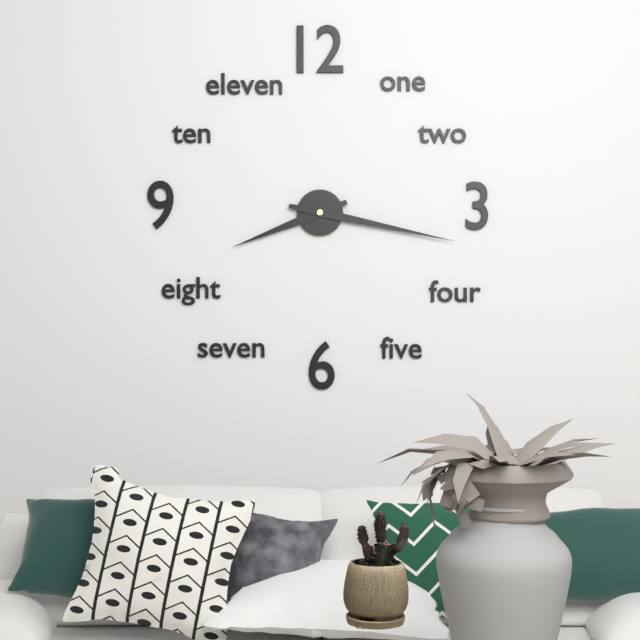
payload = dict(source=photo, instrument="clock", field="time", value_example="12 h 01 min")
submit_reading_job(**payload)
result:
8 h 17 min
